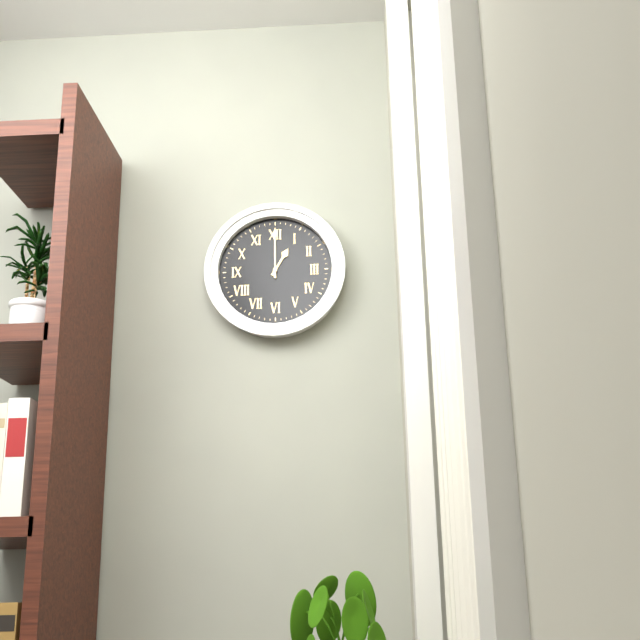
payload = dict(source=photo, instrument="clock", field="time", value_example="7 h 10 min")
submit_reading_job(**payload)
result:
1 h 00 min
